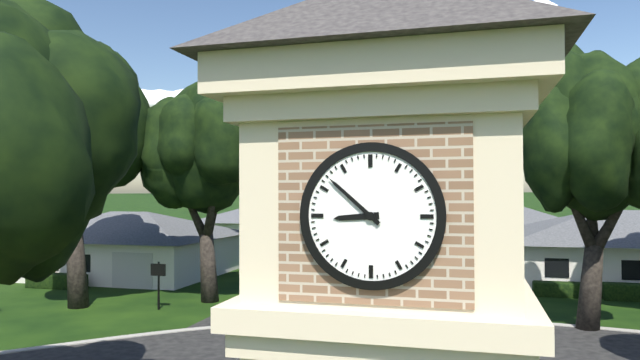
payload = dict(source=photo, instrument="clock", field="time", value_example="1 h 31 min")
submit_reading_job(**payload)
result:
8 h 52 min
